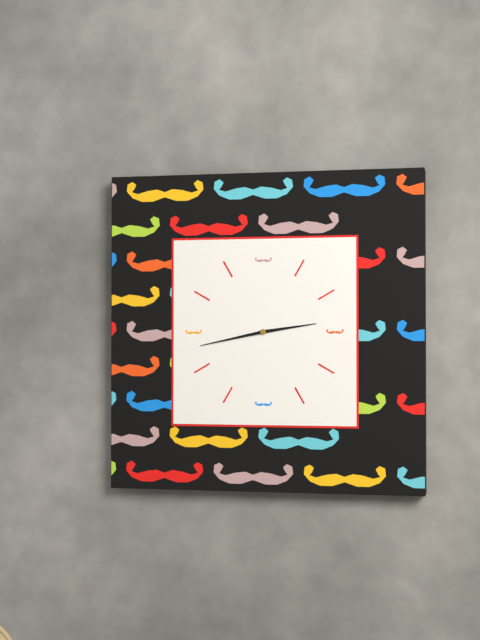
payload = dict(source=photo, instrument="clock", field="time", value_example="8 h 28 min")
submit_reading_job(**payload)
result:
2 h 43 min
